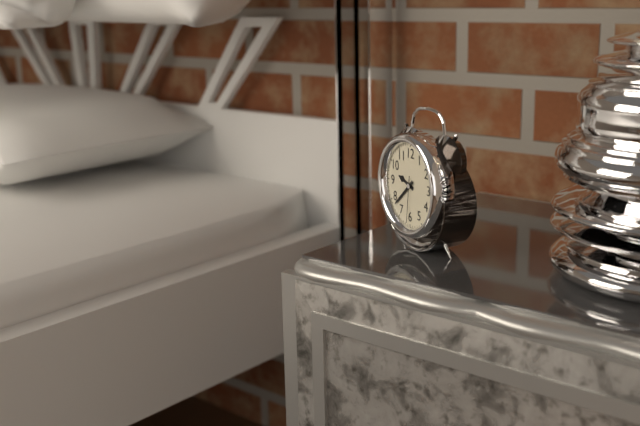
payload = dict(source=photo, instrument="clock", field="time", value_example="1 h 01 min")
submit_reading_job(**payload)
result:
9 h 38 min
